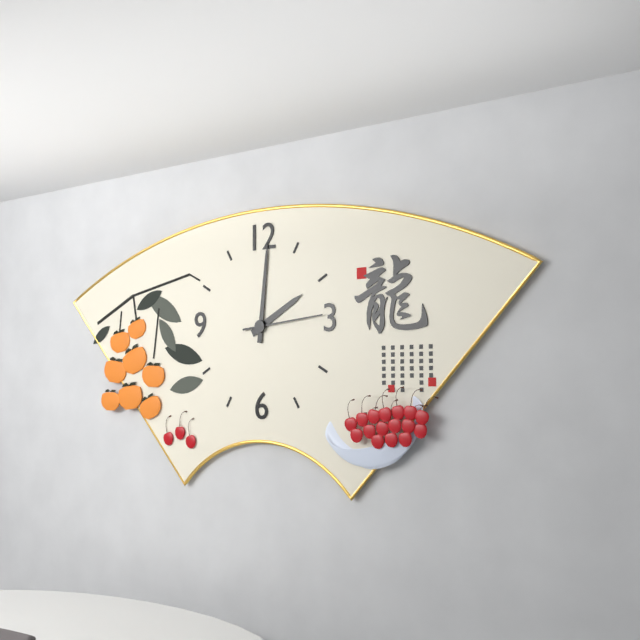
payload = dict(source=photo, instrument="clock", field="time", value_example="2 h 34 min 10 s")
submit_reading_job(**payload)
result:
2 h 01 min 14 s
